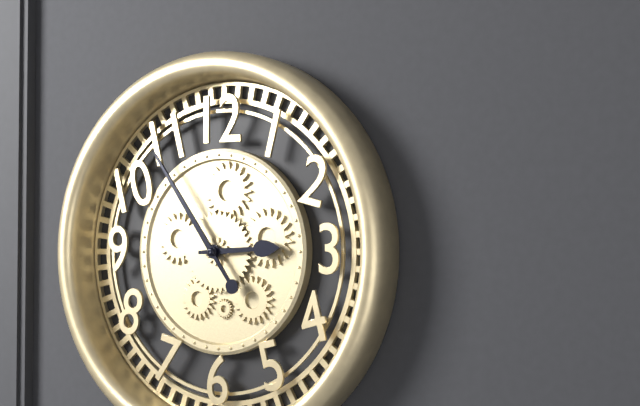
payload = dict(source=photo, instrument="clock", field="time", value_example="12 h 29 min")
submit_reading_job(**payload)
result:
2 h 54 min
